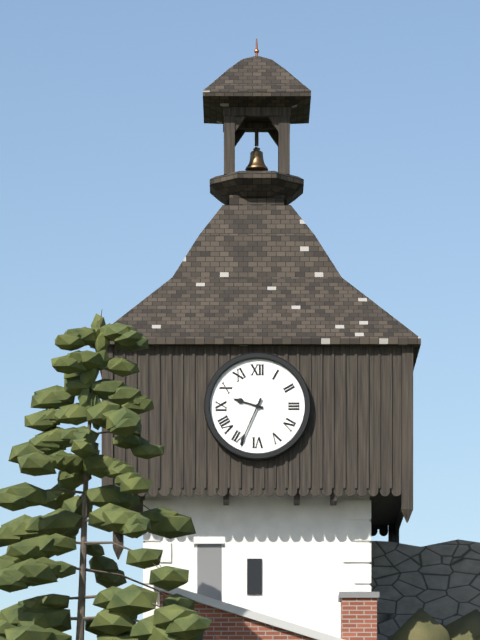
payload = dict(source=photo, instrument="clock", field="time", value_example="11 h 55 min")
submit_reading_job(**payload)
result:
9 h 34 min
